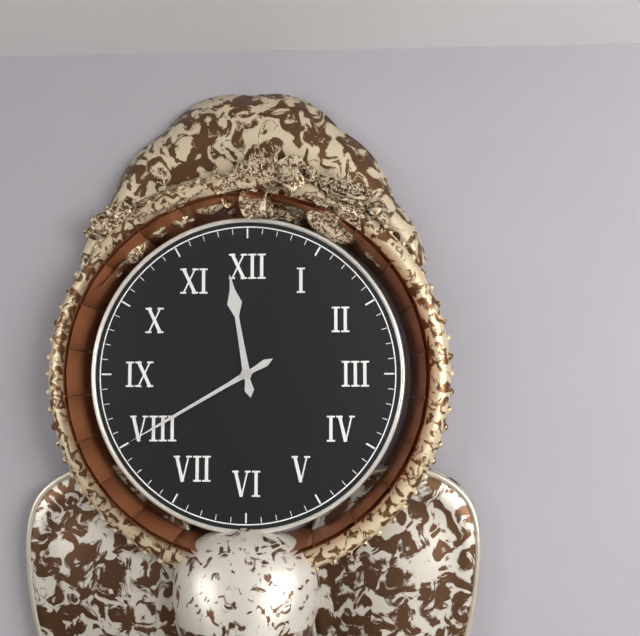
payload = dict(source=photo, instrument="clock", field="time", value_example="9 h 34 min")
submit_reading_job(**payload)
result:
11 h 40 min
